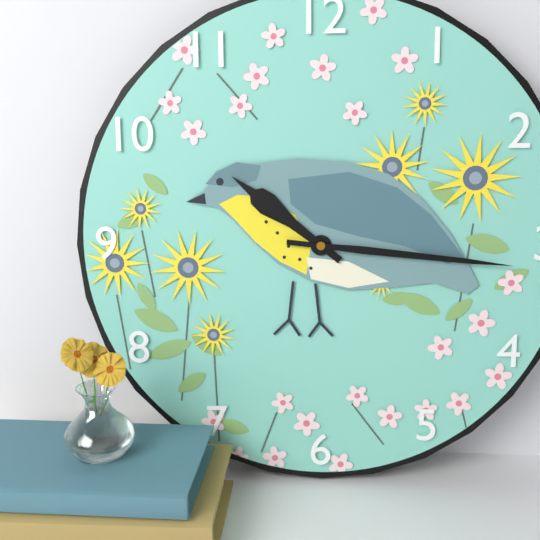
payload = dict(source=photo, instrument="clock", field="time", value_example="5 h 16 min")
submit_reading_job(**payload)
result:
10 h 16 min
